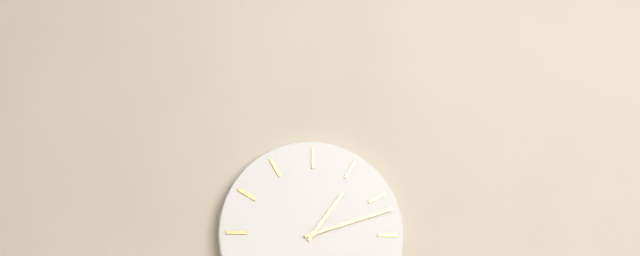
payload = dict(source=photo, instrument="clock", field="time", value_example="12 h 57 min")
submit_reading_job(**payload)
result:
1 h 12 min
